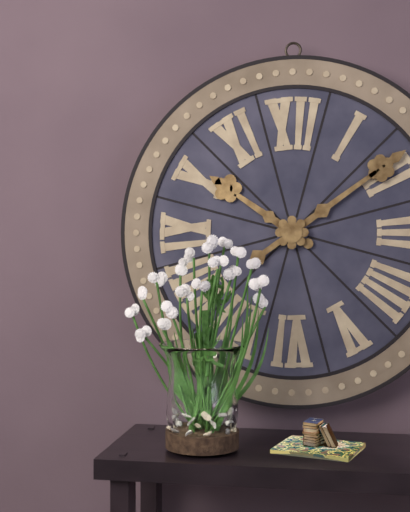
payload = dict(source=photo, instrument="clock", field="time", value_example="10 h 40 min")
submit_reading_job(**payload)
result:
10 h 09 min
